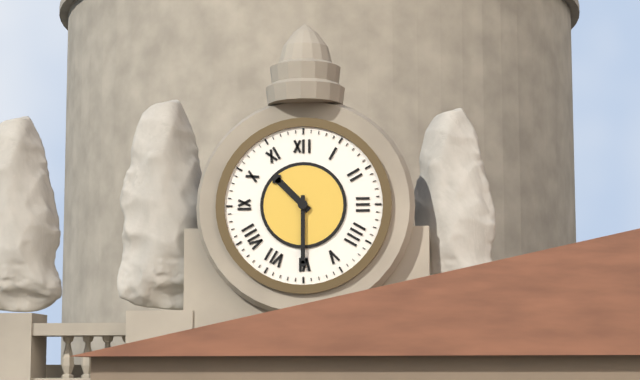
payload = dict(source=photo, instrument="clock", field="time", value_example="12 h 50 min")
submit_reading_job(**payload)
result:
10 h 30 min
